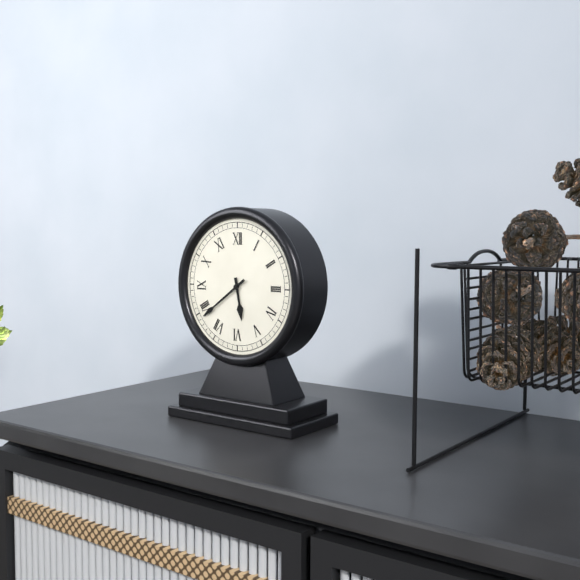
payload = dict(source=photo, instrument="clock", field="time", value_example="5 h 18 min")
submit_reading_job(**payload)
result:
5 h 39 min
